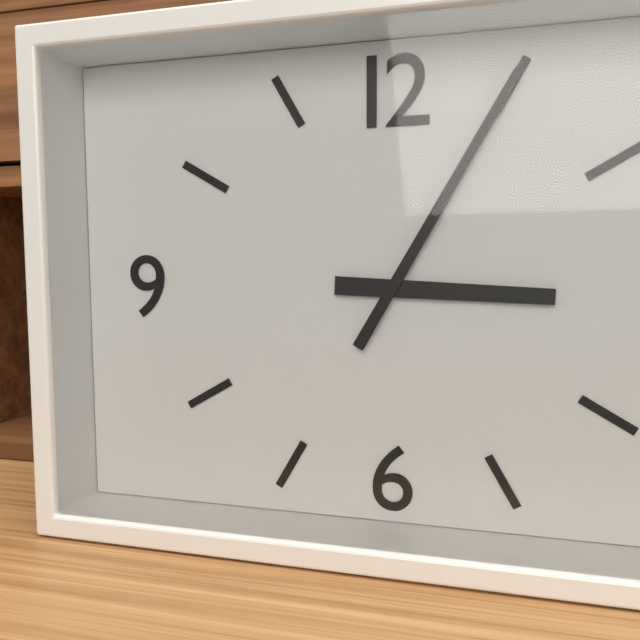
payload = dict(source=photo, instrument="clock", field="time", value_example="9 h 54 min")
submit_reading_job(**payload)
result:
3 h 05 min
